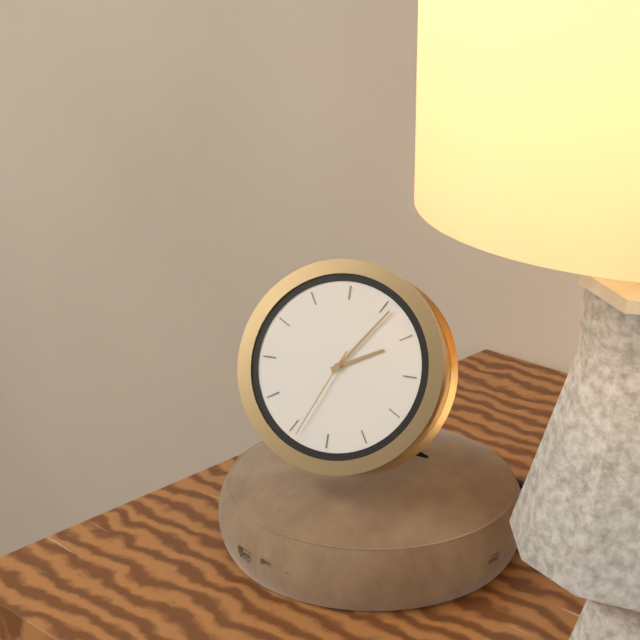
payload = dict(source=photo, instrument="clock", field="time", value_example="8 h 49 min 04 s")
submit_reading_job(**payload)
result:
2 h 06 min 34 s
